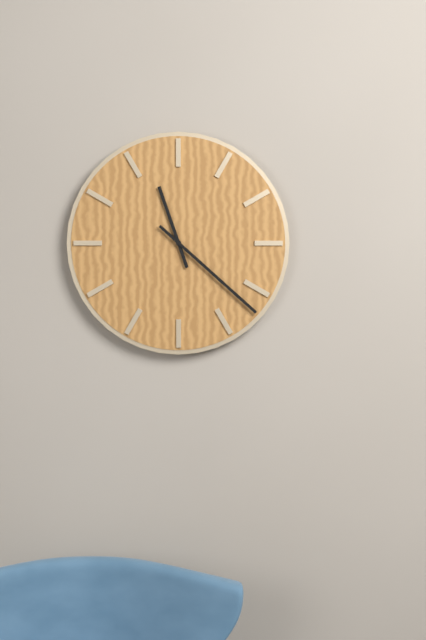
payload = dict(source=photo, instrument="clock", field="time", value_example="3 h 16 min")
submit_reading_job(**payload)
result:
11 h 22 min
